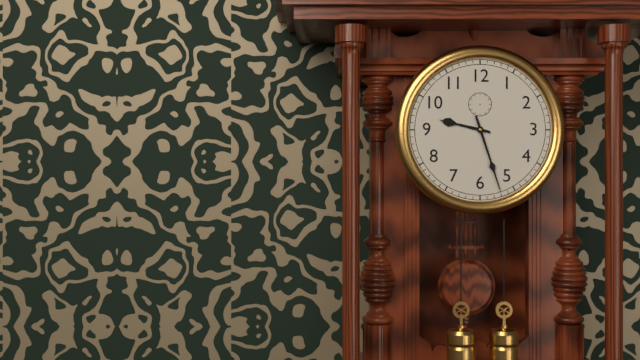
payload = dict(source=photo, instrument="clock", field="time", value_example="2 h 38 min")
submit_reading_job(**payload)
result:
9 h 27 min
